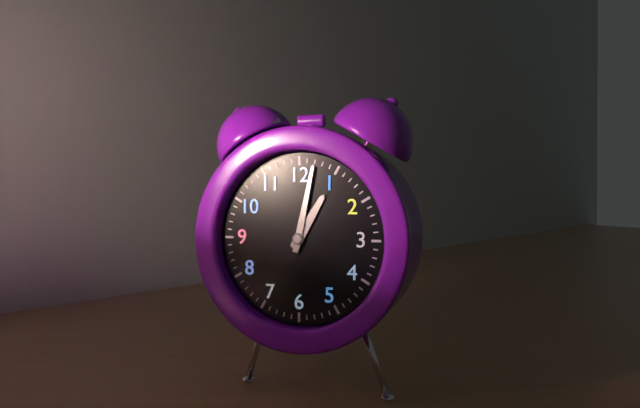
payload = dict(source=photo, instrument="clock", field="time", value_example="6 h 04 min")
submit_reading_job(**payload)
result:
1 h 02 min
